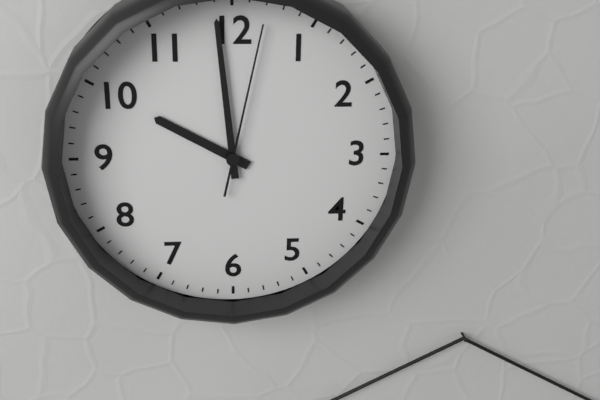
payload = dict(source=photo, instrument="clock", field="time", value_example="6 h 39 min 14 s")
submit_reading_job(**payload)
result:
9 h 59 min 02 s
